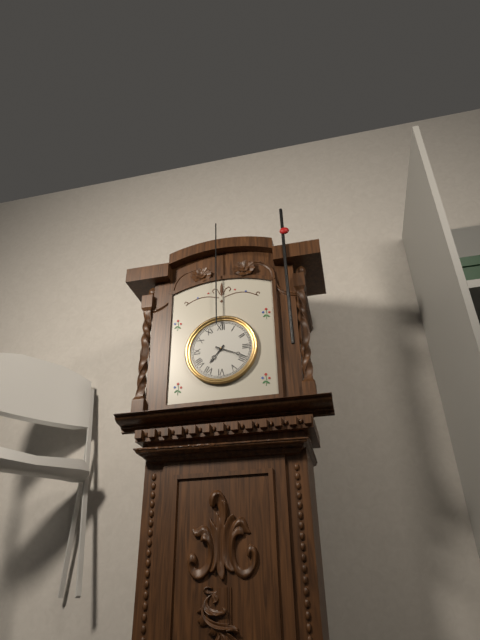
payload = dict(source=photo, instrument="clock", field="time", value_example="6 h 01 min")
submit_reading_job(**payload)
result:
7 h 19 min
